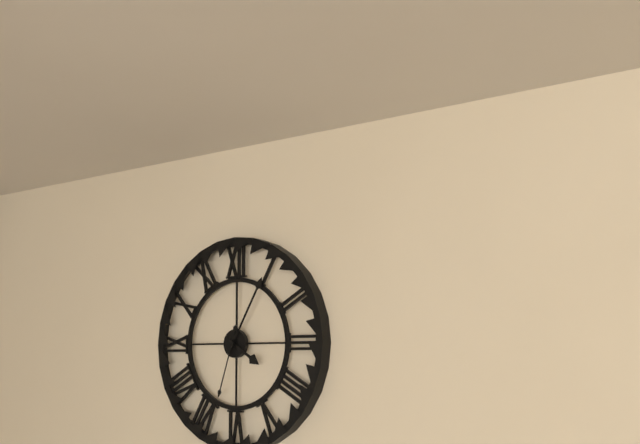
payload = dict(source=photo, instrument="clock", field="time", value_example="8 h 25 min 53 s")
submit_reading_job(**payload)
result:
4 h 05 min 33 s
